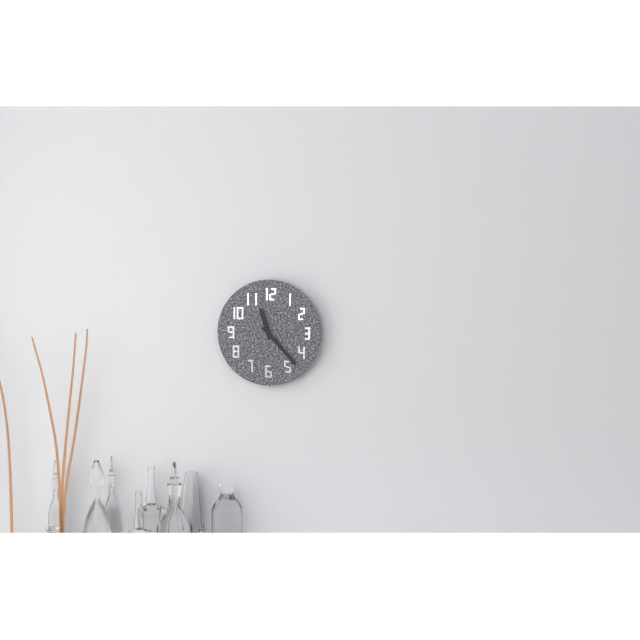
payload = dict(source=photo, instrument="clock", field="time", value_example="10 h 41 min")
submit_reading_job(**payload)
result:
11 h 23 min
